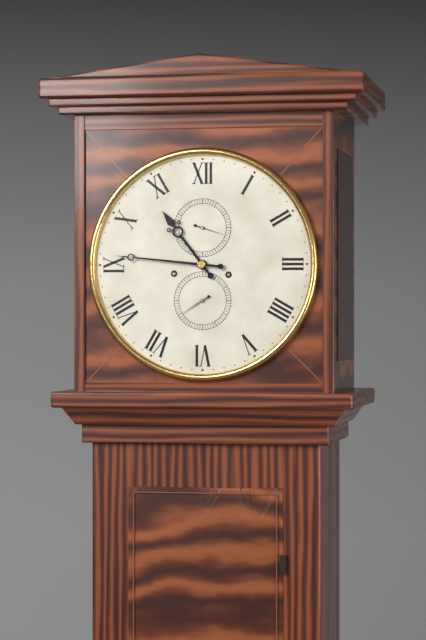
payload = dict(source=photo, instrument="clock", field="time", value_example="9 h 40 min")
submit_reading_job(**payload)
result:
10 h 46 min
